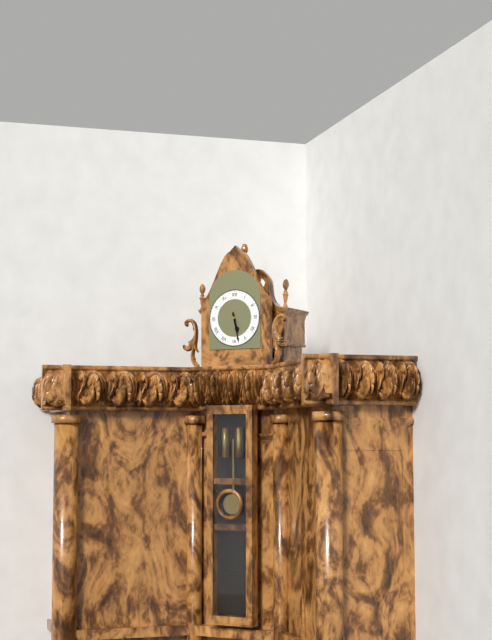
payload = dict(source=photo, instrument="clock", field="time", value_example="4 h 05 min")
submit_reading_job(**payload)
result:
5 h 28 min
